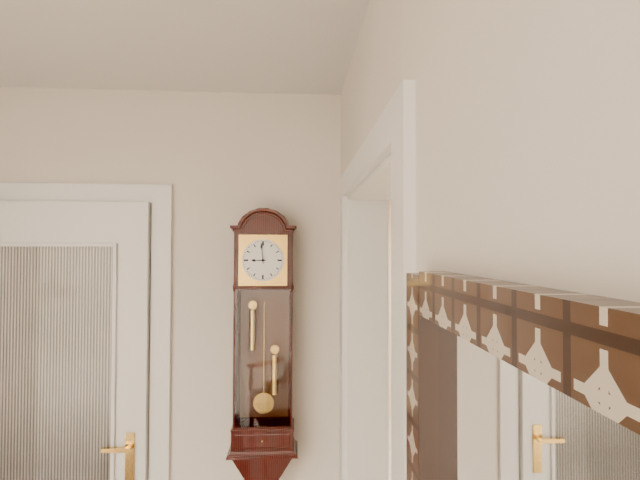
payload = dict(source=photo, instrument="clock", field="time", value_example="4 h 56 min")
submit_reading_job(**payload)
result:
8 h 59 min
